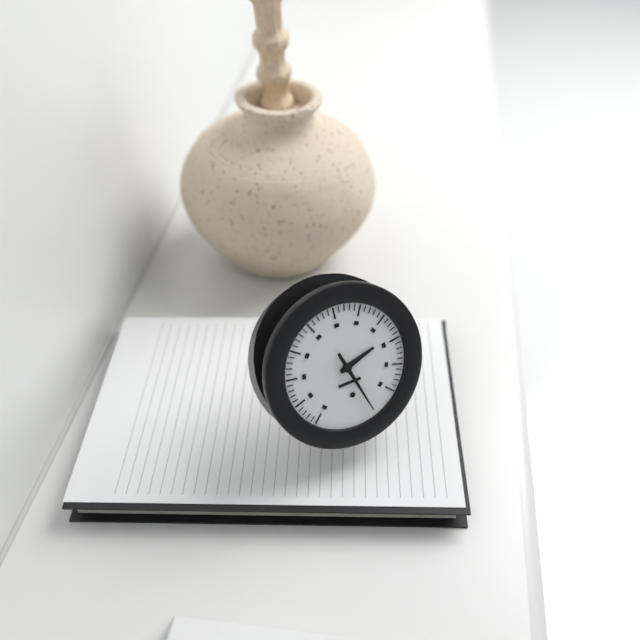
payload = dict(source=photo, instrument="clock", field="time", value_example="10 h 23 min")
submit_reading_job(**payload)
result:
2 h 27 min
